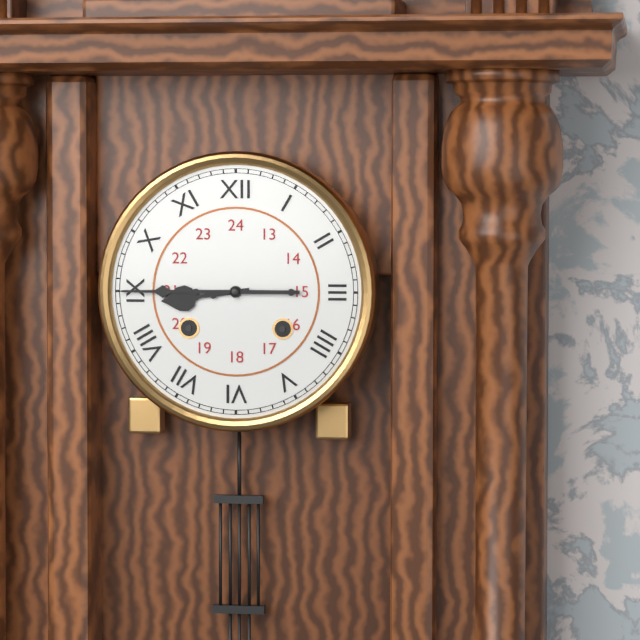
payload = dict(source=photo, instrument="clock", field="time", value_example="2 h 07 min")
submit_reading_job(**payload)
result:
8 h 45 min
